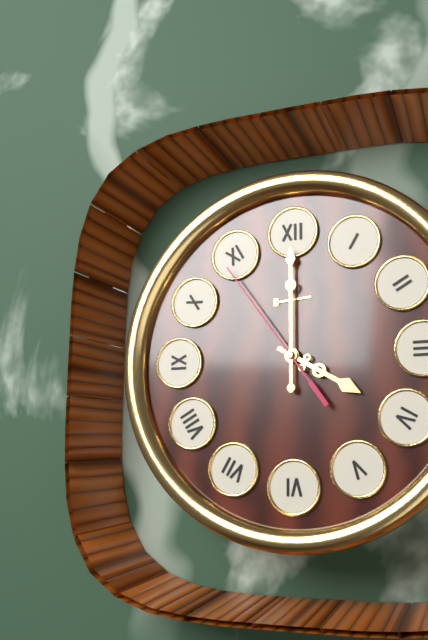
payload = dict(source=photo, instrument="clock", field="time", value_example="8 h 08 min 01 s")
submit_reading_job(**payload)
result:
4 h 00 min 54 s
